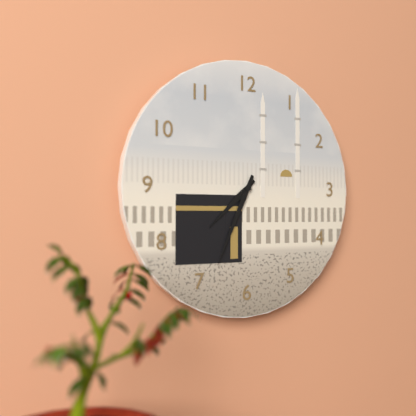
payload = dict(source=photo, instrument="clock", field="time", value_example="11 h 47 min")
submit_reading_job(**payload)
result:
7 h 34 min
